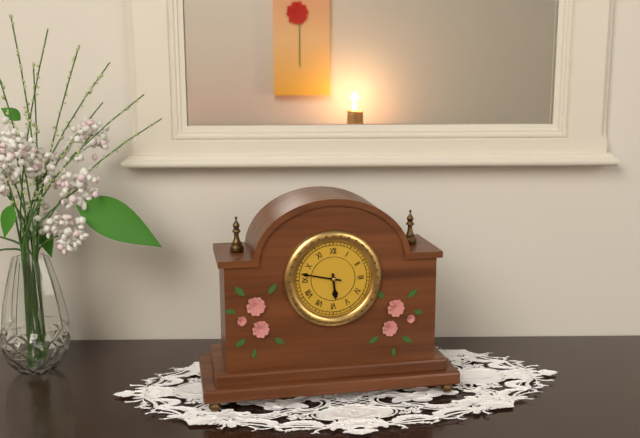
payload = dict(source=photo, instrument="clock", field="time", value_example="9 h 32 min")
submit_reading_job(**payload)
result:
5 h 47 min
